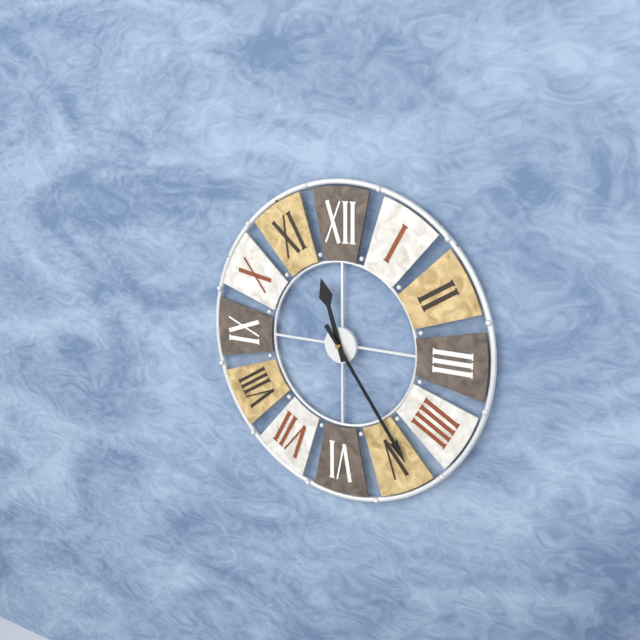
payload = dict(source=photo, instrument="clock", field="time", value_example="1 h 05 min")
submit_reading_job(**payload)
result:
11 h 24 min
